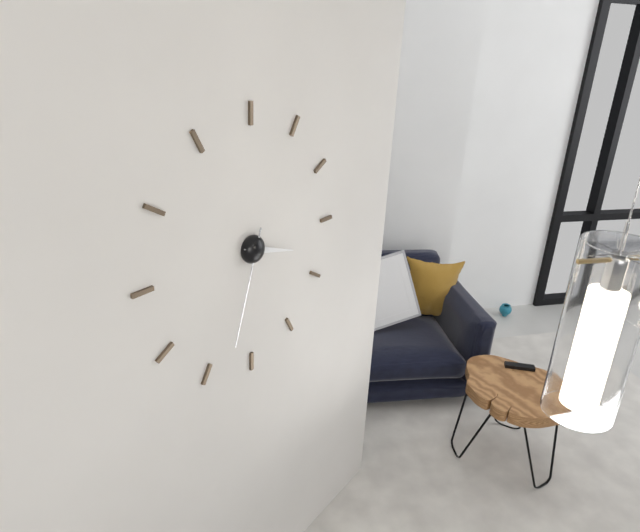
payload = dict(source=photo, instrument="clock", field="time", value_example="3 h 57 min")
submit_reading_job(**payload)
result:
3 h 33 min
